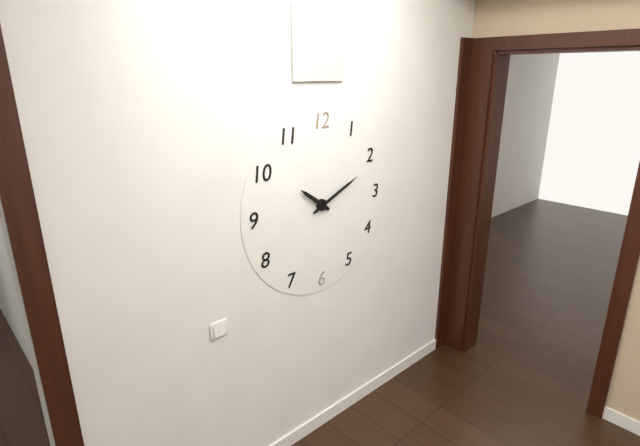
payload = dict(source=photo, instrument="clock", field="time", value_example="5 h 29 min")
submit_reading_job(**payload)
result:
10 h 11 min
